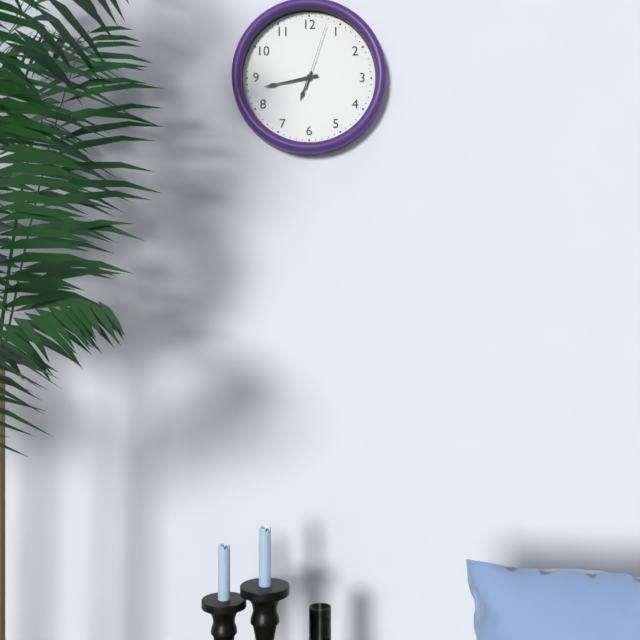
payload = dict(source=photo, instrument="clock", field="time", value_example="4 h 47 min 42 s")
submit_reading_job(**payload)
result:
6 h 43 min 03 s
